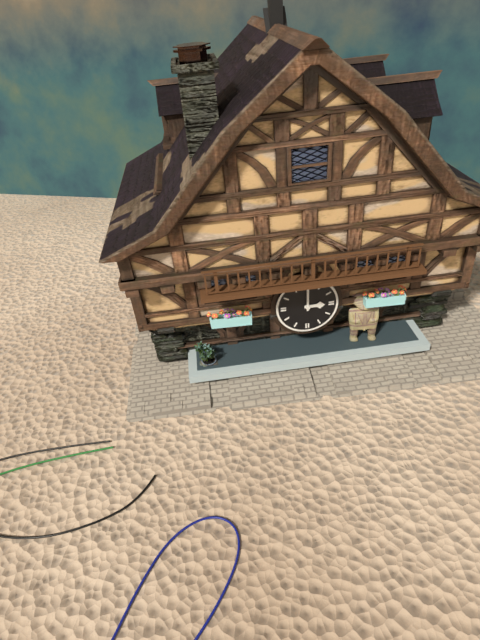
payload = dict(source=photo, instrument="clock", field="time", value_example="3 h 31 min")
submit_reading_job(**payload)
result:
3 h 00 min
